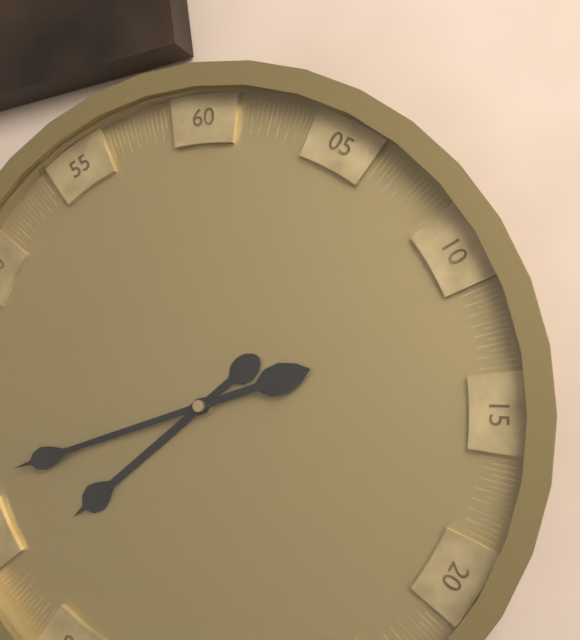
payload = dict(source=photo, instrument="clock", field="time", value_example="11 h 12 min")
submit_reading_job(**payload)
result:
7 h 42 min
